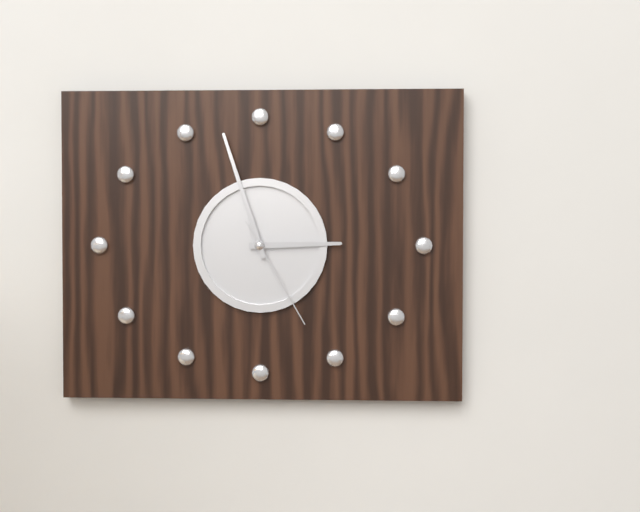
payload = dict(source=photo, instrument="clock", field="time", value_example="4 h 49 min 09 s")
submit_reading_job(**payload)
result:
2 h 57 min 25 s
